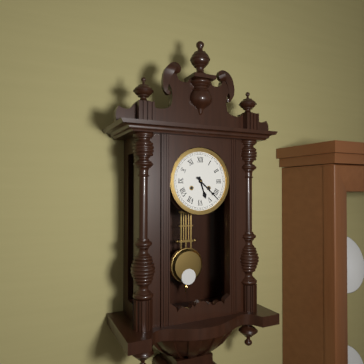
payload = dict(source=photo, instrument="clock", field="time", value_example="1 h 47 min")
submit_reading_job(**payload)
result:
5 h 22 min
